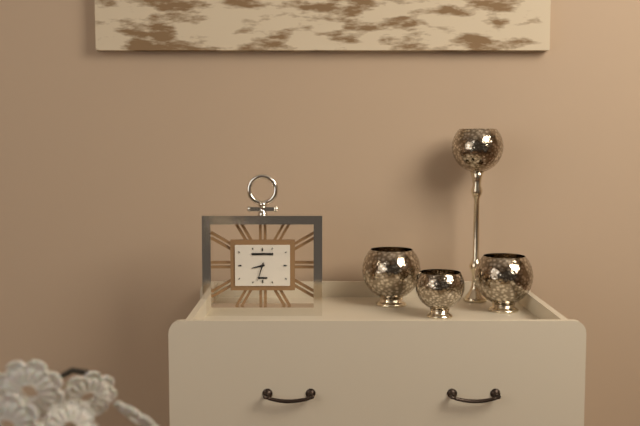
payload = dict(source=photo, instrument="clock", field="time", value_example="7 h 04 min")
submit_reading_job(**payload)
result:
8 h 33 min
